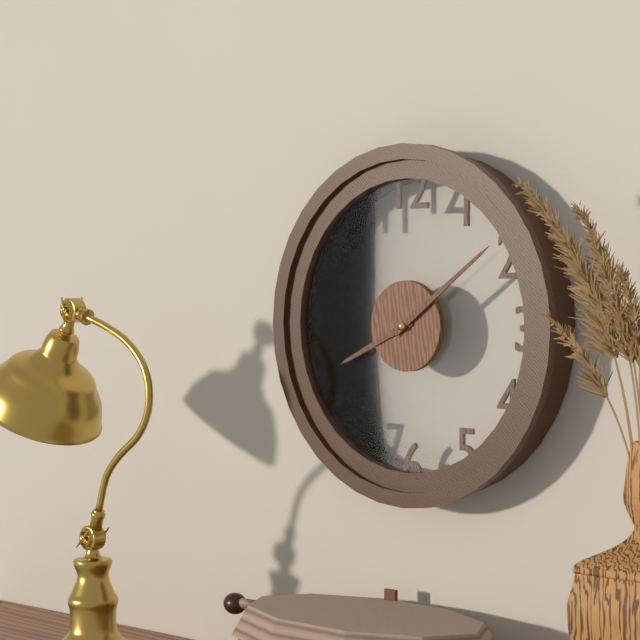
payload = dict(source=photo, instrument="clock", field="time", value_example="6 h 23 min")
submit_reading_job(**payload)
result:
8 h 09 min
